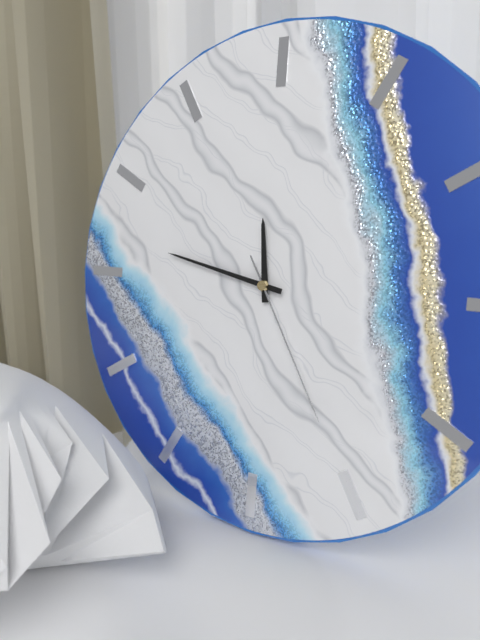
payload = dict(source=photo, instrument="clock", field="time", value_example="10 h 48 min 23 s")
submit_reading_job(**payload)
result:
11 h 47 min 25 s
